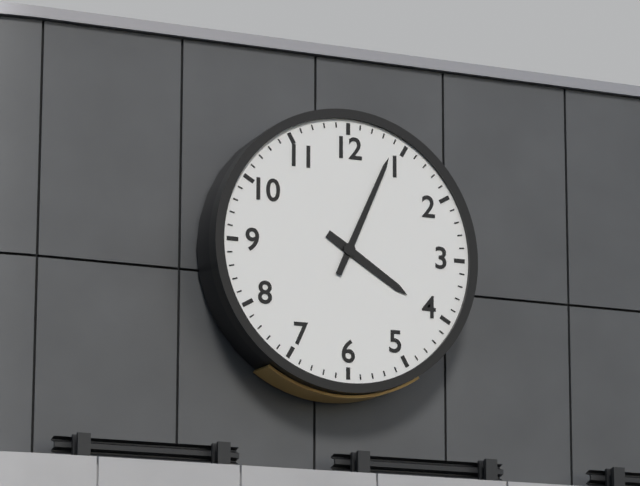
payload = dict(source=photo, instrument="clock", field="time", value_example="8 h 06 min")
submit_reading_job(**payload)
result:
4 h 04 min
